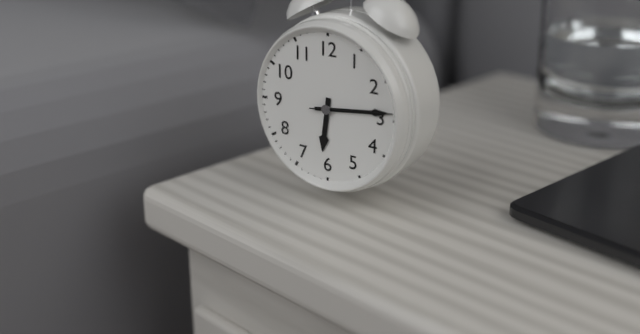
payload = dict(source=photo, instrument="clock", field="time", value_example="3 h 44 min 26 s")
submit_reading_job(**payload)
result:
6 h 14 min 14 s
